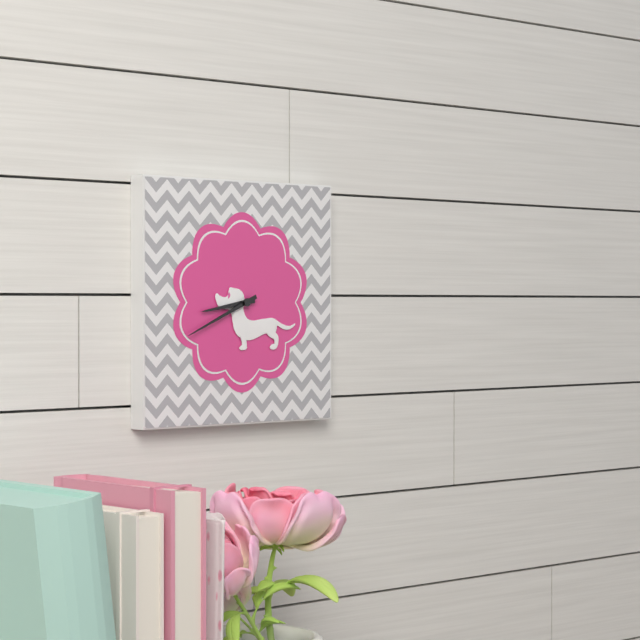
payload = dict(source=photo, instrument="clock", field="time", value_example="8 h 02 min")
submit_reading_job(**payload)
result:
8 h 41 min
